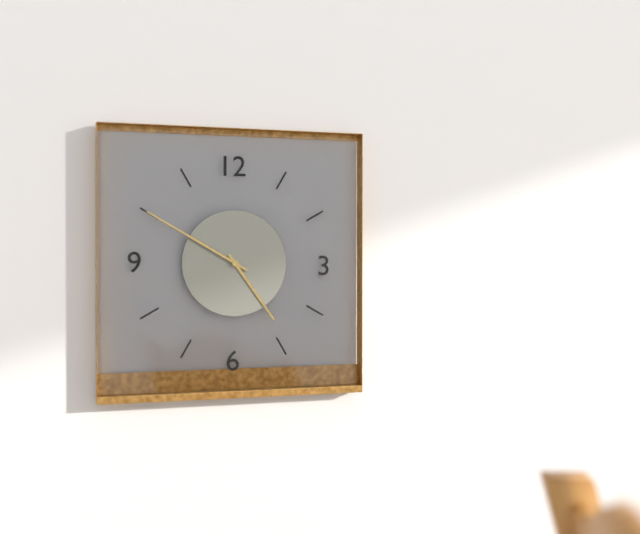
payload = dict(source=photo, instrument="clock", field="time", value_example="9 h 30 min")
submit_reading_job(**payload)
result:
4 h 50 min
